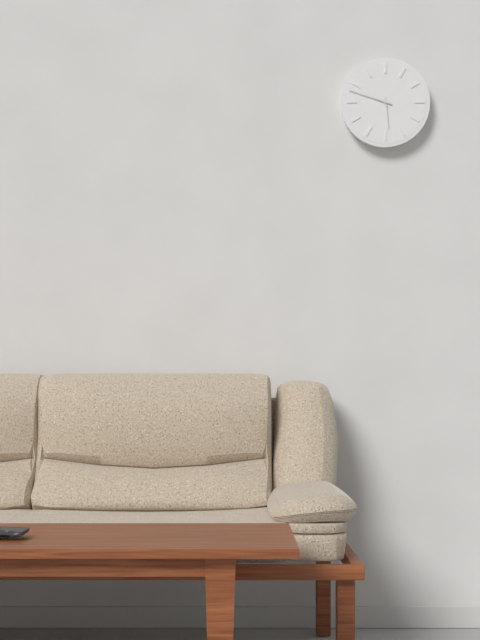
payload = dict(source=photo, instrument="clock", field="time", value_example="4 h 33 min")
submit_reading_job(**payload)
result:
5 h 48 min
